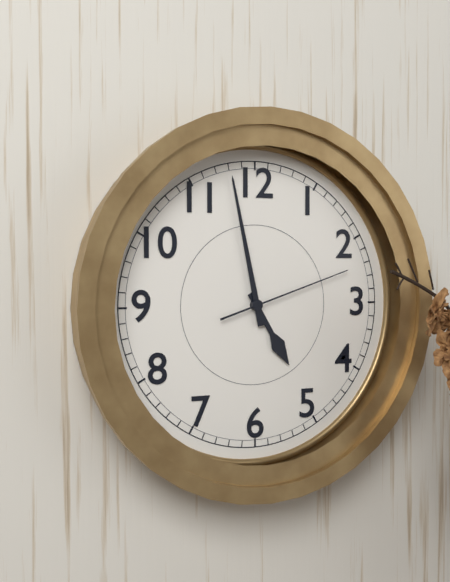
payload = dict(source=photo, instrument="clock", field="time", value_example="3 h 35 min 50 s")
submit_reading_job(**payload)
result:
4 h 58 min 12 s
